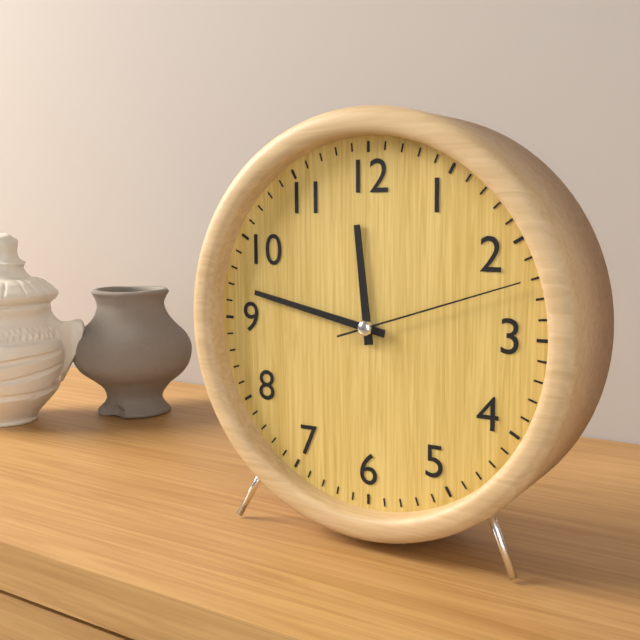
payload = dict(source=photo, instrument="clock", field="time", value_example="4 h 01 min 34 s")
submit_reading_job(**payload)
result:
11 h 47 min 12 s
